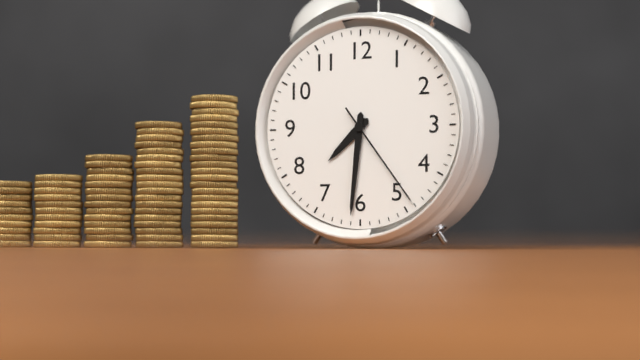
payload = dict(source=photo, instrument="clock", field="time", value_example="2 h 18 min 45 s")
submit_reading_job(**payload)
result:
7 h 31 min 24 s
